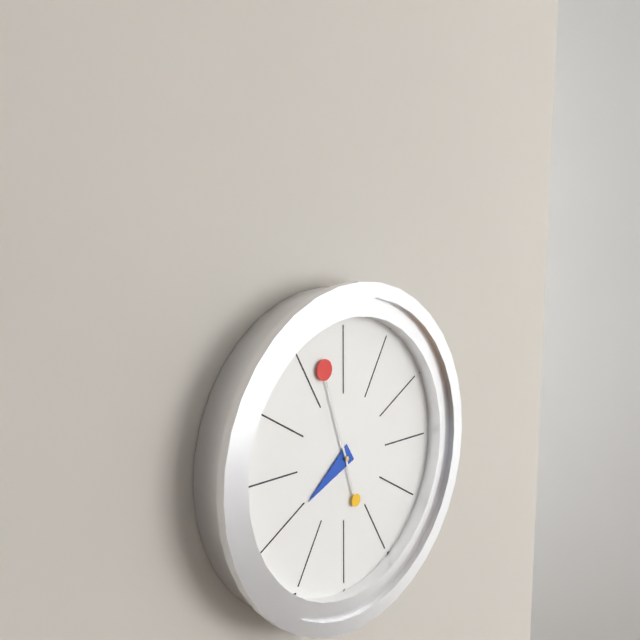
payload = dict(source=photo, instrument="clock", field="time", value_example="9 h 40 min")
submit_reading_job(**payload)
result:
7 h 57 min
